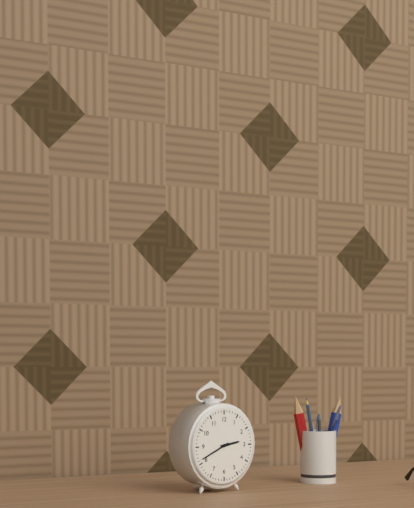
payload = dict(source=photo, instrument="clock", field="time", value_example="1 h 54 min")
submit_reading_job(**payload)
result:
2 h 41 min
